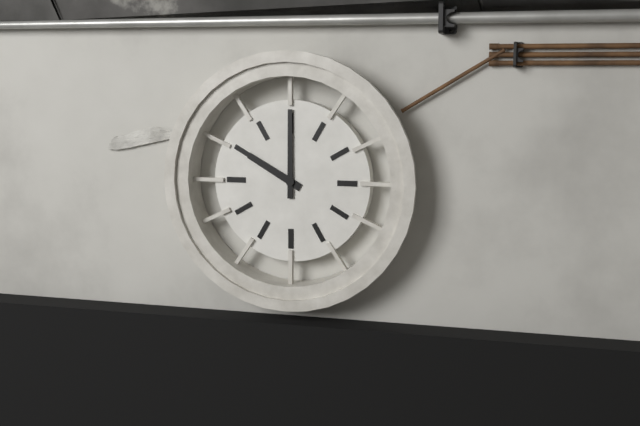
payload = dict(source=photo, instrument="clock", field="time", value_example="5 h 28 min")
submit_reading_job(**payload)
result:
10 h 00 min
